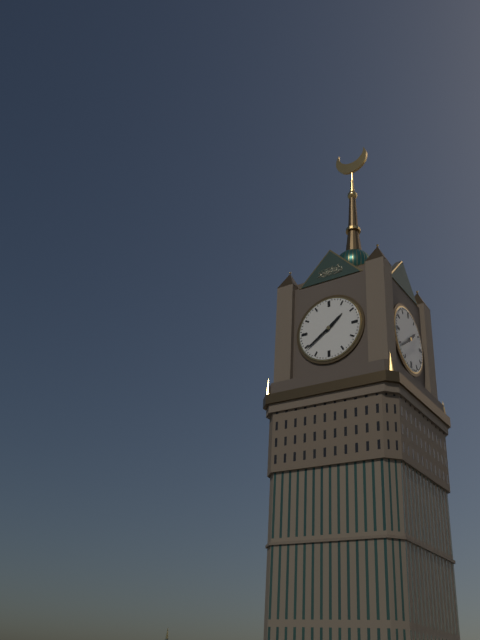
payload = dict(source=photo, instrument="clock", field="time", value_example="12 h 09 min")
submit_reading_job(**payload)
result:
1 h 39 min
